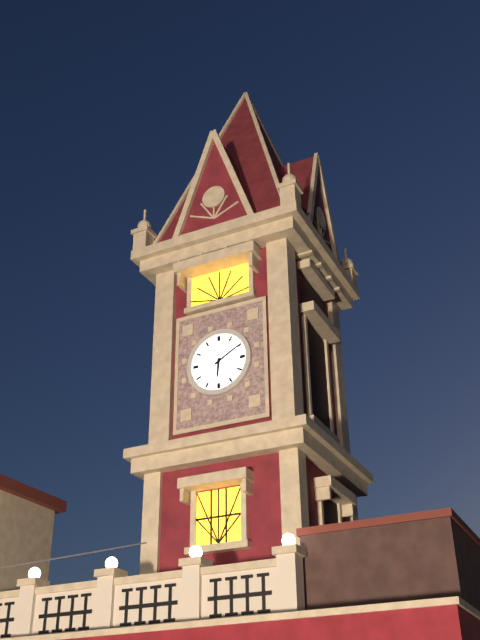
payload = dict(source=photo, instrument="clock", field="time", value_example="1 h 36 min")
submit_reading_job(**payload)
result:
6 h 10 min
